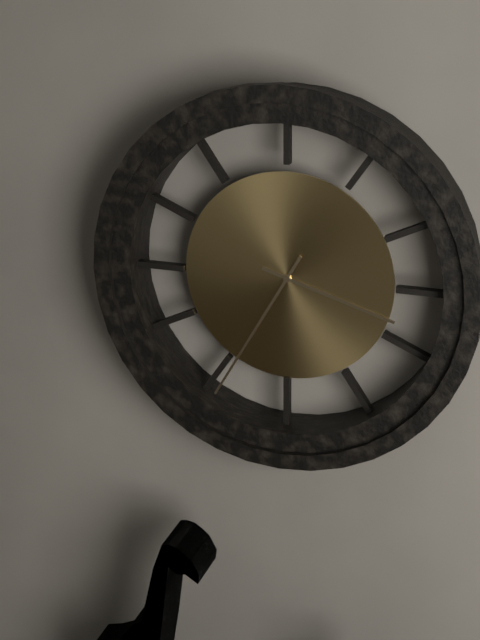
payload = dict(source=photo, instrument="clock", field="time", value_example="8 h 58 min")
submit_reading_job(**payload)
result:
3 h 35 min
